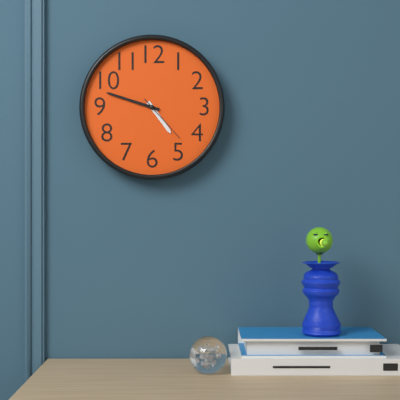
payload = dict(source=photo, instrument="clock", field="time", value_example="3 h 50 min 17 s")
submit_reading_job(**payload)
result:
4 h 48 min 23 s
